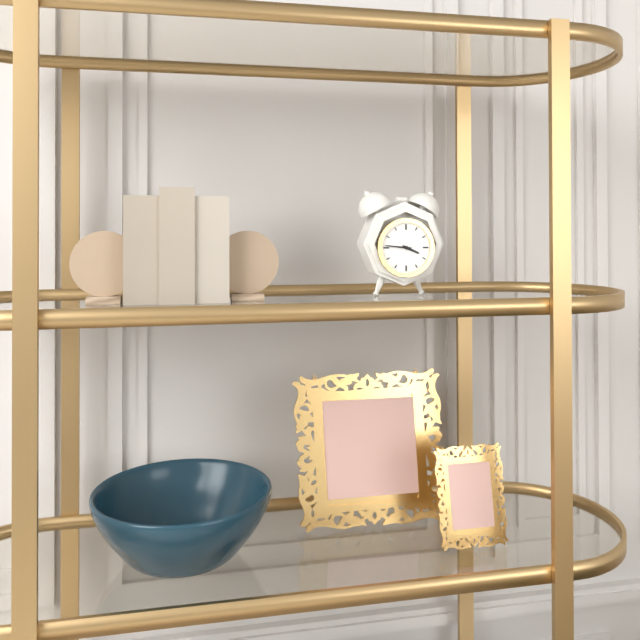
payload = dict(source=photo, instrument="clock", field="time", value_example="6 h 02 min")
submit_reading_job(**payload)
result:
3 h 46 min
